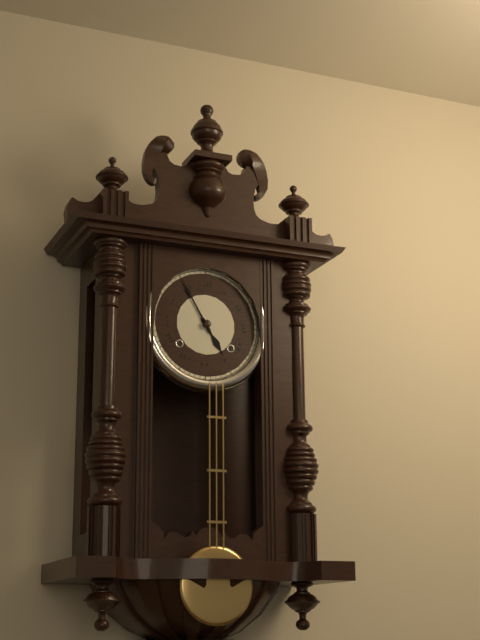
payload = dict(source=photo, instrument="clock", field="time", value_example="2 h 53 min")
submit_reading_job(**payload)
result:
4 h 55 min
